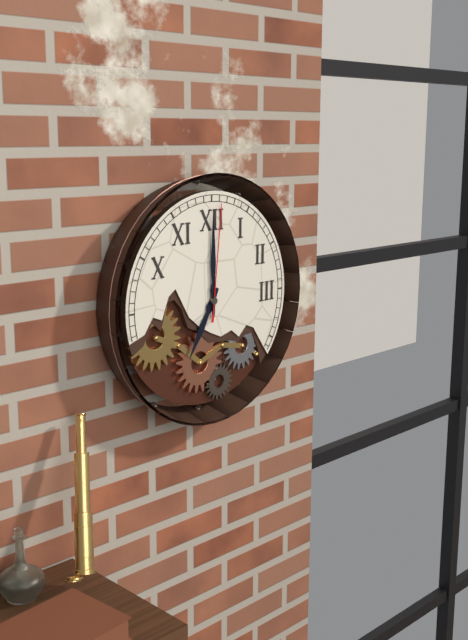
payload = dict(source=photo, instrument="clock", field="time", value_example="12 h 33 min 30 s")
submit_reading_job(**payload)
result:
7 h 00 min 01 s
